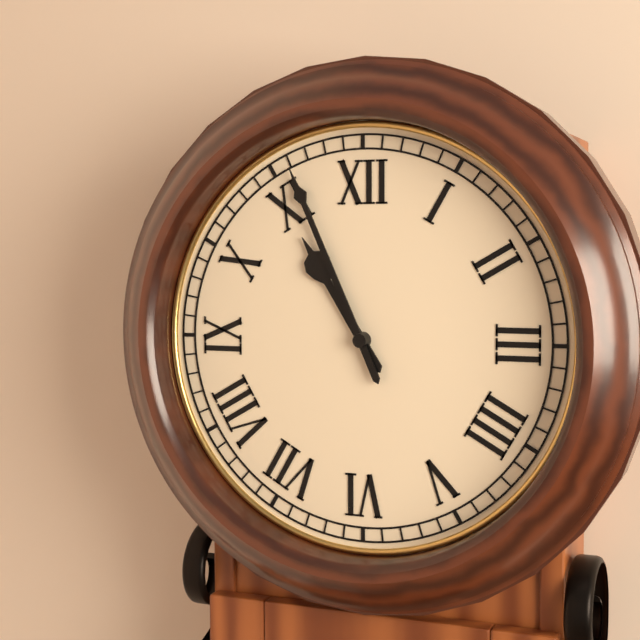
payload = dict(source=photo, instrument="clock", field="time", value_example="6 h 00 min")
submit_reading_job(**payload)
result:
10 h 56 min
